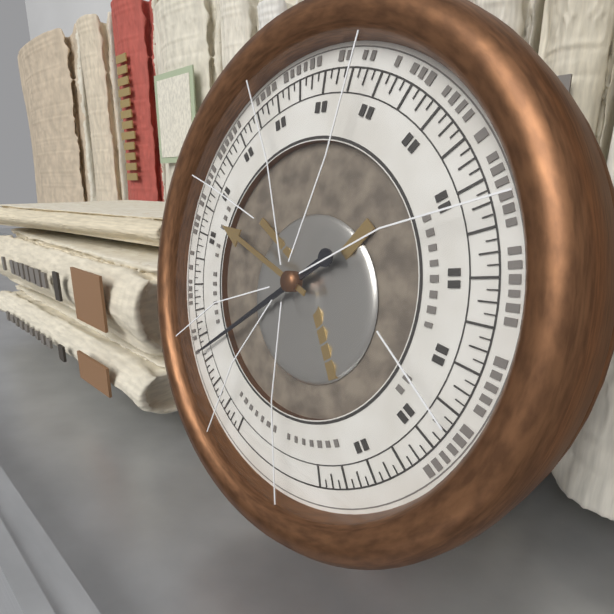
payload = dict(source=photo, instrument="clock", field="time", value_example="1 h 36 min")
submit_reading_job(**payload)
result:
9 h 39 min
